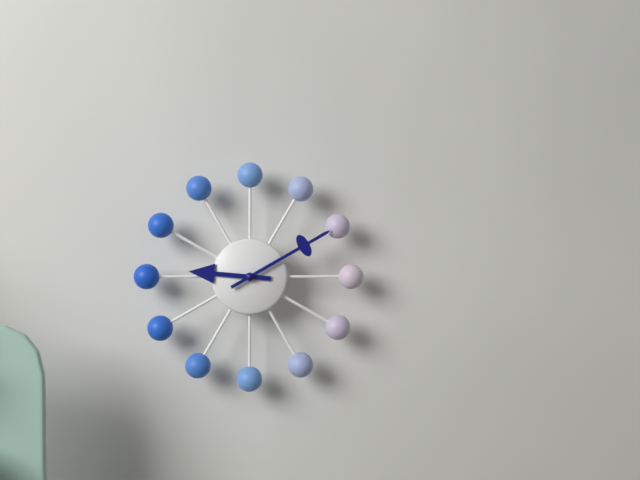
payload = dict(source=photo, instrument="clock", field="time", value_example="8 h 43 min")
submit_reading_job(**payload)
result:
9 h 10 min
